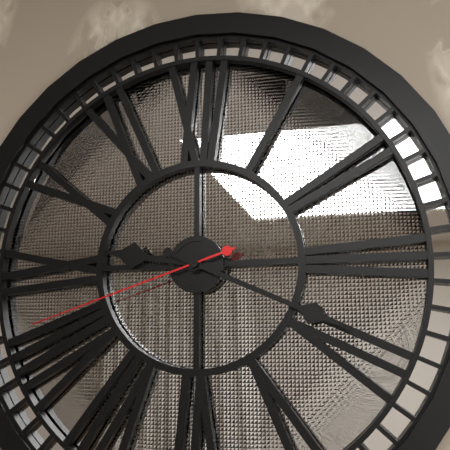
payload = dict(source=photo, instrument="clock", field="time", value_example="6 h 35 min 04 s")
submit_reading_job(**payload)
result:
9 h 19 min 42 s
